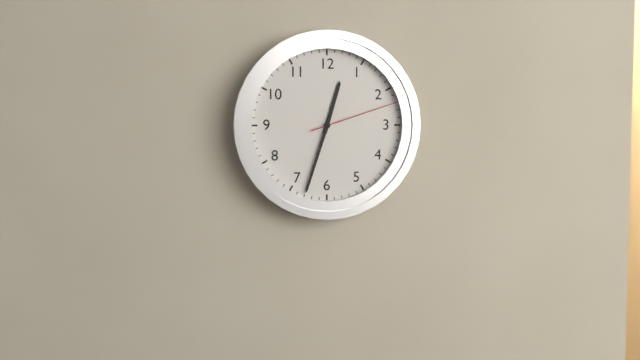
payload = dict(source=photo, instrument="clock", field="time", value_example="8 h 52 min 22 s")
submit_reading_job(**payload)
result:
12 h 33 min 12 s
